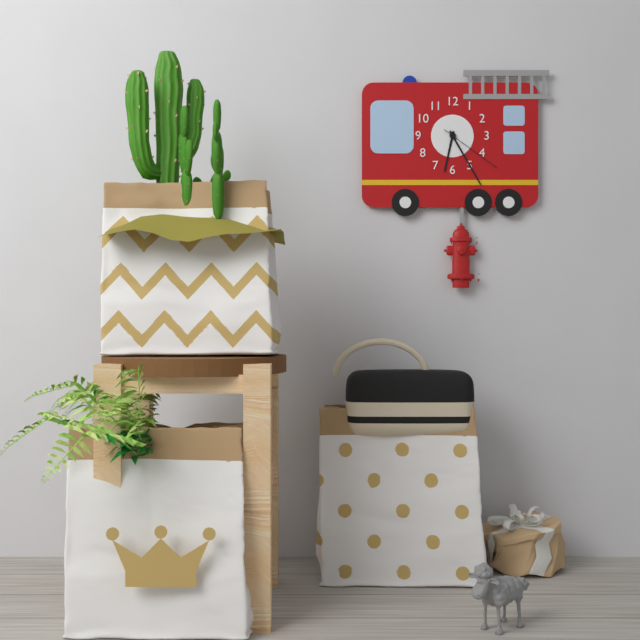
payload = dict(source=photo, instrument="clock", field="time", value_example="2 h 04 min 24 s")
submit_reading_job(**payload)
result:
6 h 25 min 21 s
